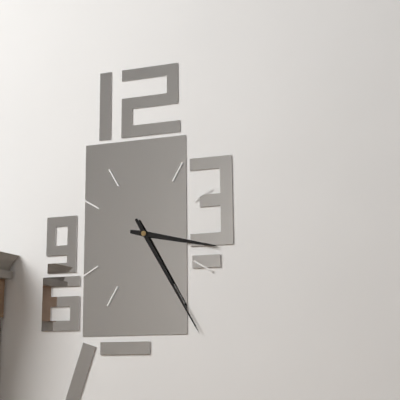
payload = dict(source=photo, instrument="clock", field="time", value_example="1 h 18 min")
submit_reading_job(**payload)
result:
3 h 25 min
